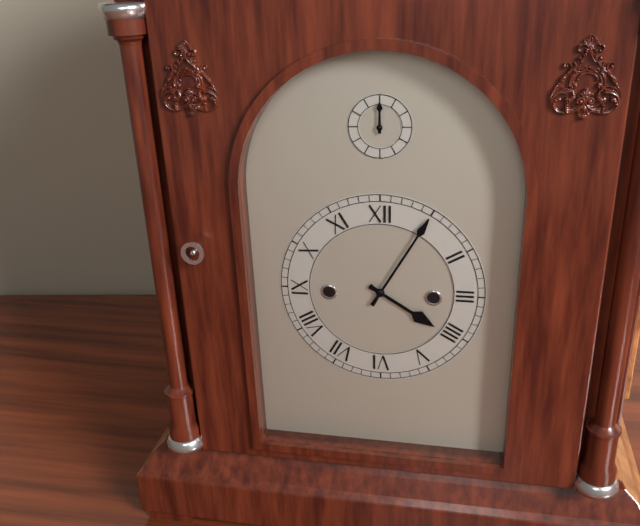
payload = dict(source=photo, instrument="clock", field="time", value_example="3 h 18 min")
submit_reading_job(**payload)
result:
4 h 05 min
